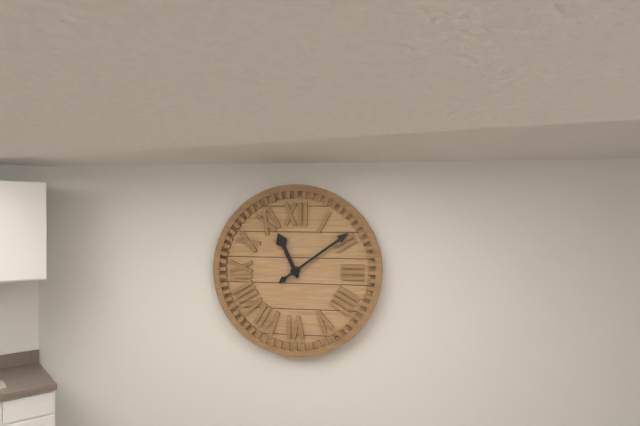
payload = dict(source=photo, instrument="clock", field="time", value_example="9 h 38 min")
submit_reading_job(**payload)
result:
11 h 09 min
